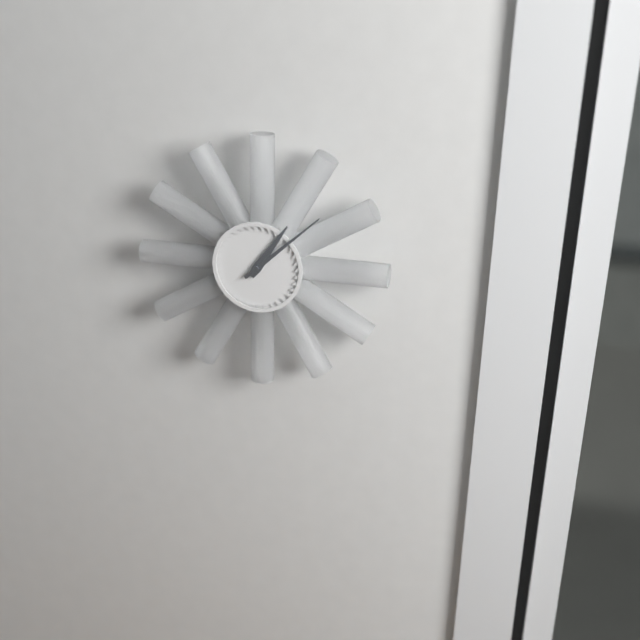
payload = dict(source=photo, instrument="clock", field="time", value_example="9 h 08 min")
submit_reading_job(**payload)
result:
1 h 08 min
